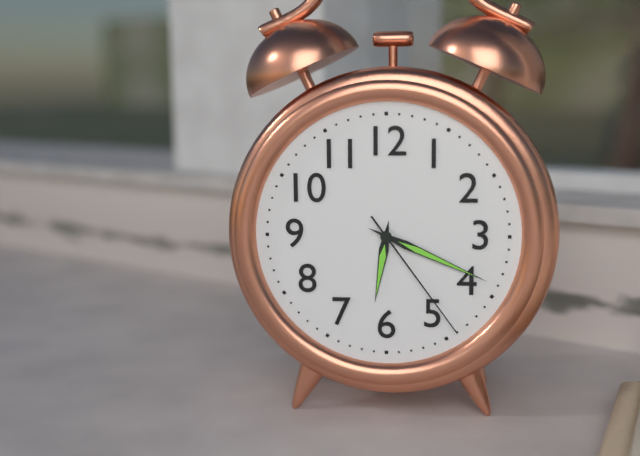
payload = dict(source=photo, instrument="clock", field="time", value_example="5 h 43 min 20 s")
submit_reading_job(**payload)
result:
6 h 19 min 24 s
